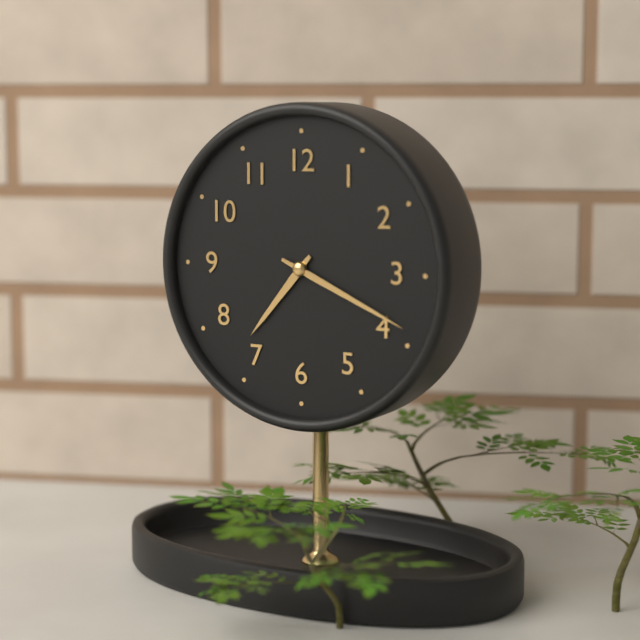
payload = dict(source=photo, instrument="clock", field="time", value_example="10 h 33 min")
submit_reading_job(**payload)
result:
7 h 19 min
